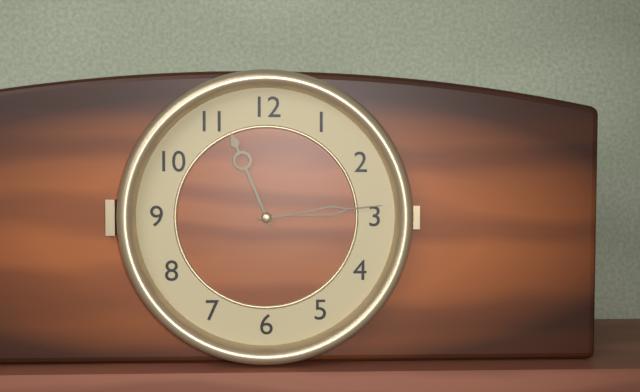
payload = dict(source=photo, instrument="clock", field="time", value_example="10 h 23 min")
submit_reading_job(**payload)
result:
11 h 14 min
